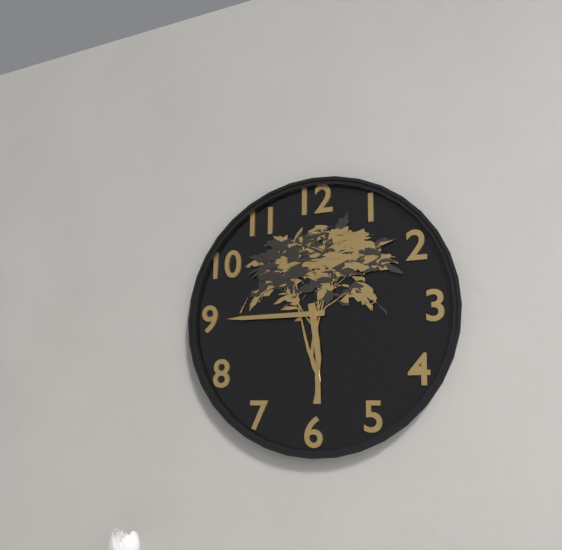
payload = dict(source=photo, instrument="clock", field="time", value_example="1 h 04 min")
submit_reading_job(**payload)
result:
5 h 45 min
